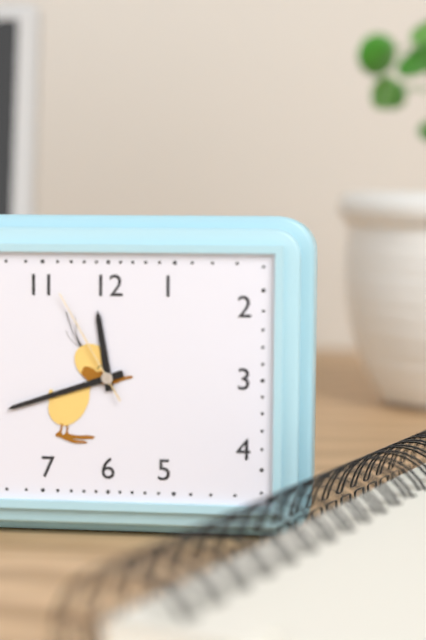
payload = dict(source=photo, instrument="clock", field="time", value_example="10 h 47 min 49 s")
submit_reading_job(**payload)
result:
11 h 42 min 55 s
